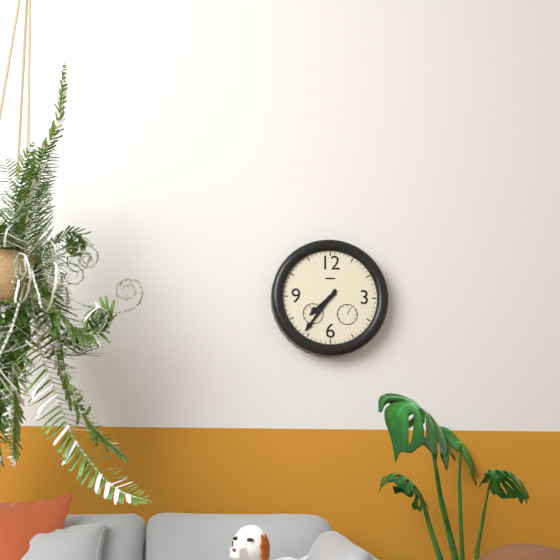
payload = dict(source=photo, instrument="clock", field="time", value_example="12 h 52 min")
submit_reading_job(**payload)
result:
7 h 36 min
